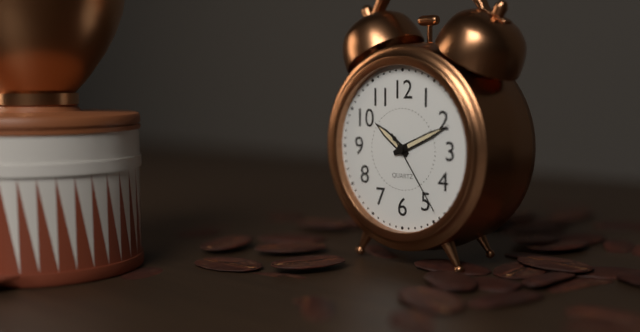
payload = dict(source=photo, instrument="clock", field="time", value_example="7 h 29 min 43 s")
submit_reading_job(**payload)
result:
10 h 11 min 24 s
